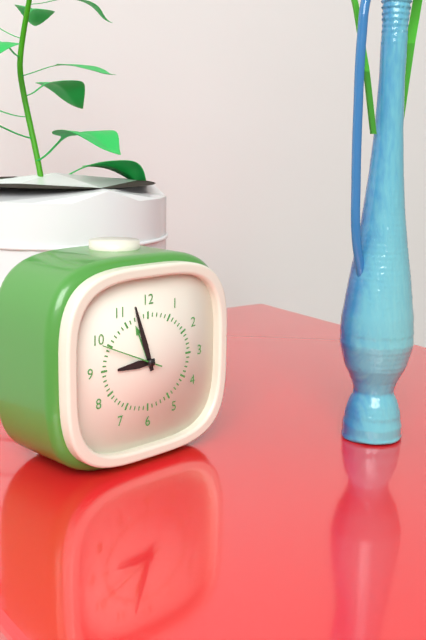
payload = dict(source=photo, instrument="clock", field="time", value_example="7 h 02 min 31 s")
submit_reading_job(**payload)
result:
8 h 57 min 49 s
